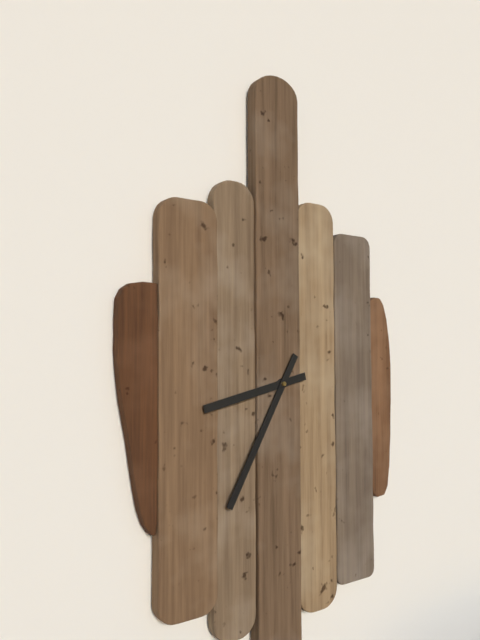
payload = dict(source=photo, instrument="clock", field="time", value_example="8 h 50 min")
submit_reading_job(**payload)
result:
8 h 35 min
